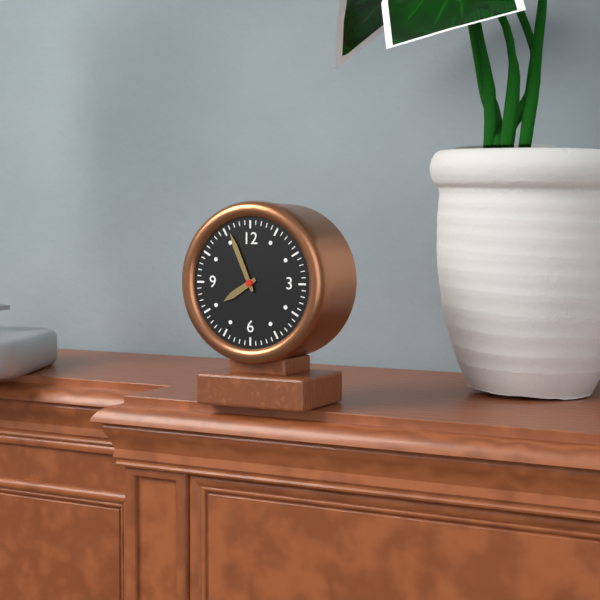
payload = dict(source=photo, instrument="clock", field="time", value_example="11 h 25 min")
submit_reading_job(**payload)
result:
7 h 56 min
